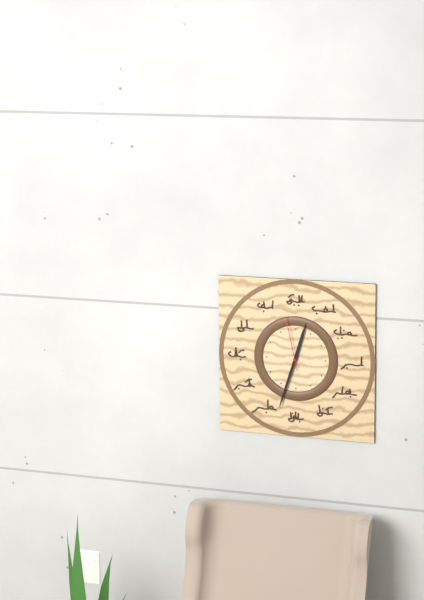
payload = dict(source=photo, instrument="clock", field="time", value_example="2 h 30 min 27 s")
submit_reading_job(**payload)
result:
12 h 33 min 58 s
